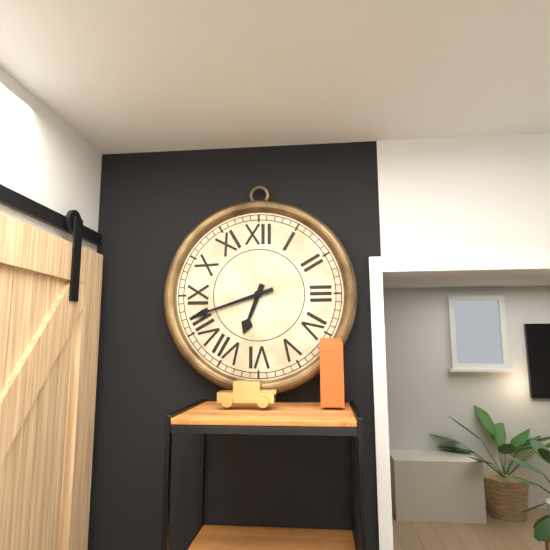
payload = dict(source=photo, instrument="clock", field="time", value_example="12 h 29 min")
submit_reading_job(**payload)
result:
6 h 42 min
